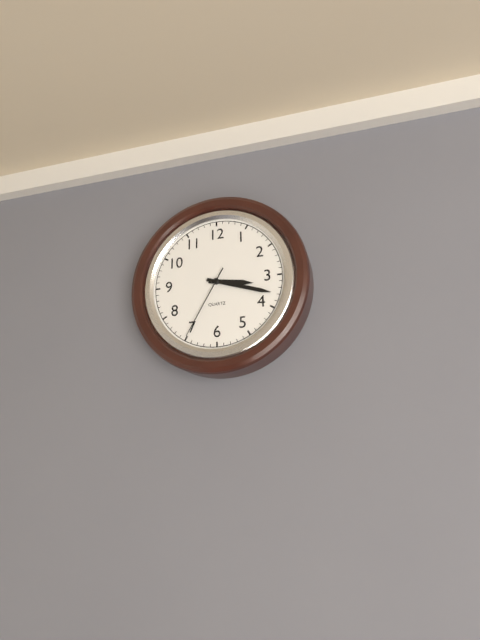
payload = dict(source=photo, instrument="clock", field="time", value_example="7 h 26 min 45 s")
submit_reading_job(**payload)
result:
3 h 18 min 35 s
